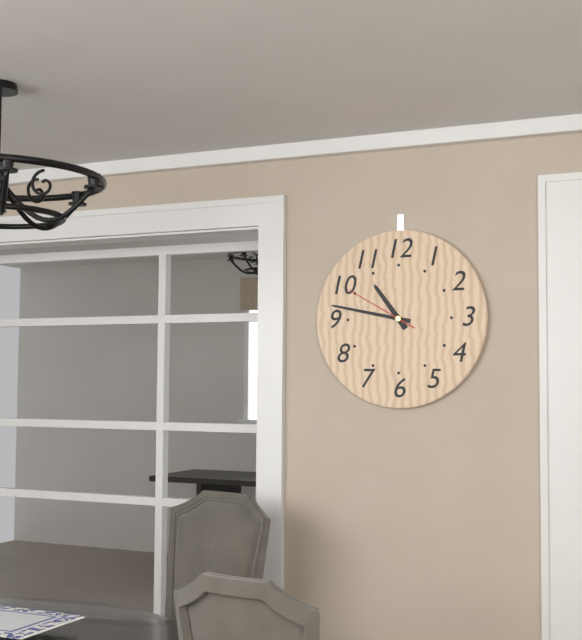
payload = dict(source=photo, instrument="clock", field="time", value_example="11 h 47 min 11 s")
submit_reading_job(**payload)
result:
10 h 47 min 50 s
